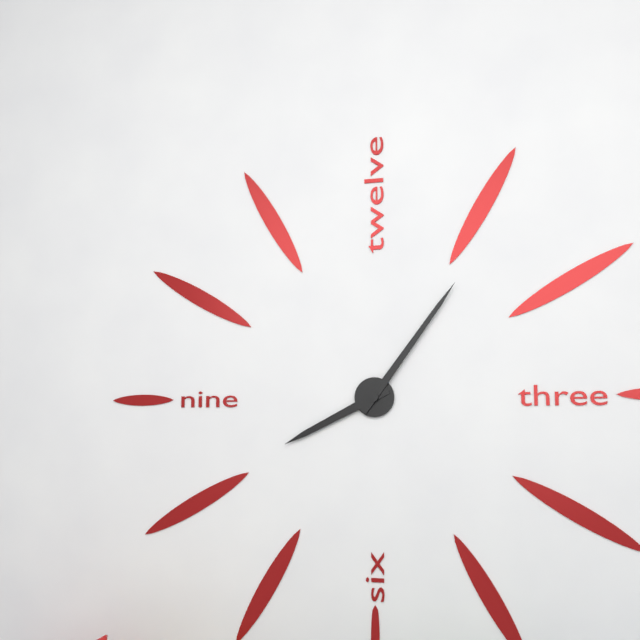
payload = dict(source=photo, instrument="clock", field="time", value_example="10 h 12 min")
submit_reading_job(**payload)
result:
8 h 06 min
